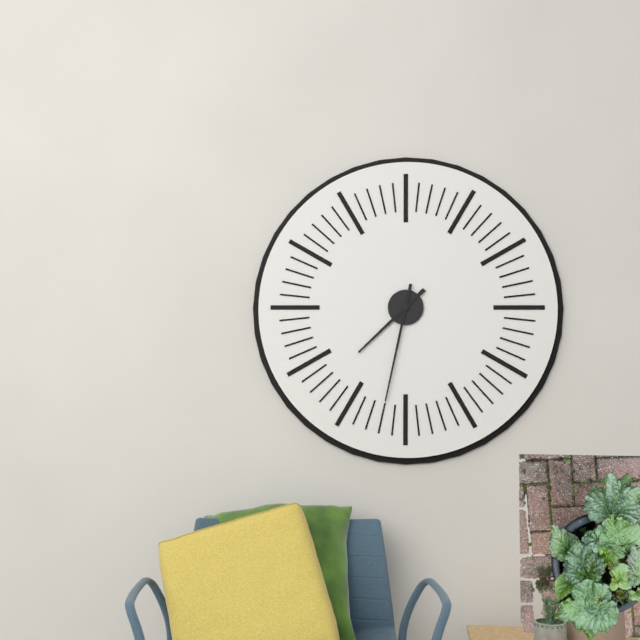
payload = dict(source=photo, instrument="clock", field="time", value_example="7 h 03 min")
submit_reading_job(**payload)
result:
7 h 32 min
